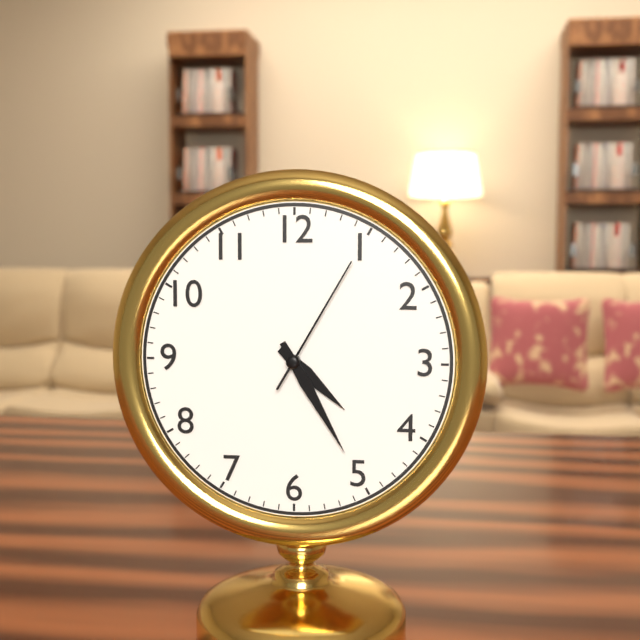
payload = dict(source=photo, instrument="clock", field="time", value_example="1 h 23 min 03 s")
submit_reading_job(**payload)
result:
4 h 25 min 05 s
